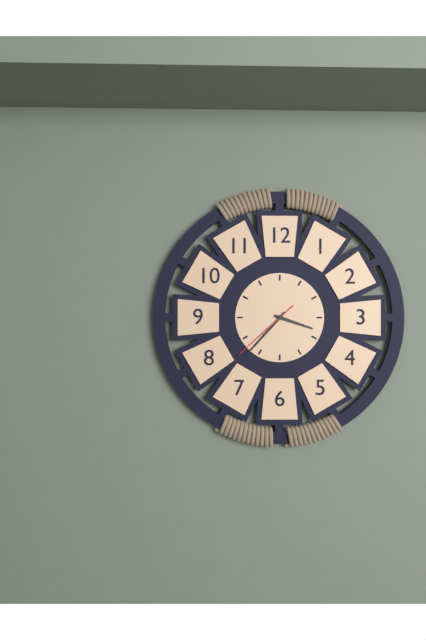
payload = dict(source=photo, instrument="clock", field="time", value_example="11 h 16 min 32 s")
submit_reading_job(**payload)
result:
3 h 37 min 38 s
